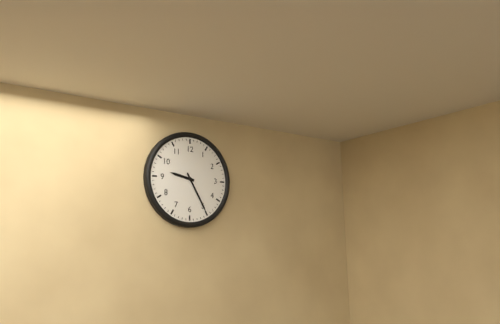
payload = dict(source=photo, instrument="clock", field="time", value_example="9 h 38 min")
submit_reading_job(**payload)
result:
9 h 25 min
